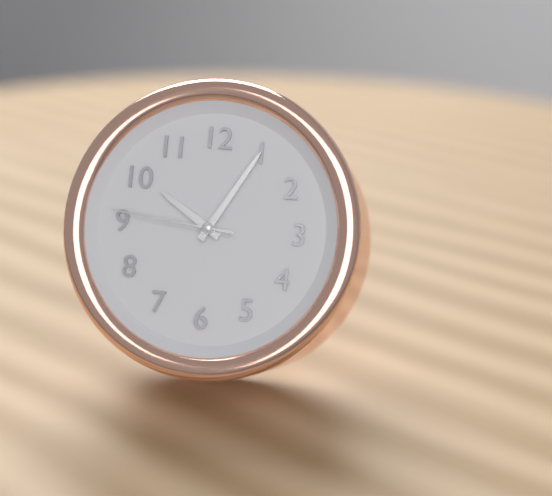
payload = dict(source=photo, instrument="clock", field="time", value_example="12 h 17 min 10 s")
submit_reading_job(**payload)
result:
10 h 05 min 46 s
